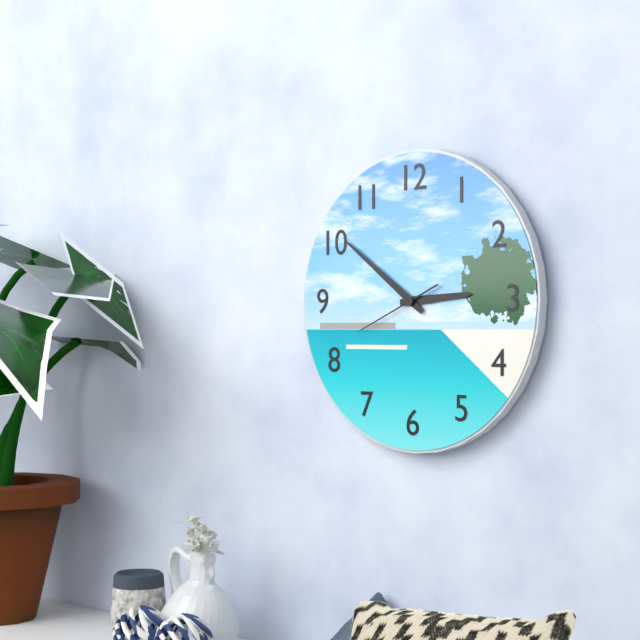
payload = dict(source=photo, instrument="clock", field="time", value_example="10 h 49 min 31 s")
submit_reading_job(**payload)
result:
2 h 51 min 41 s
